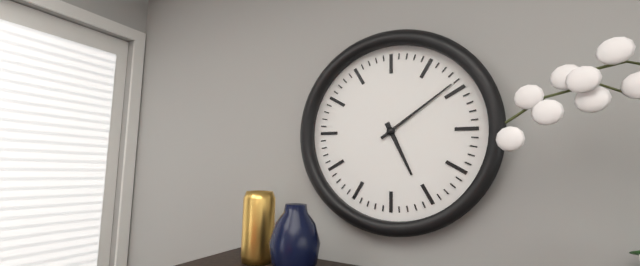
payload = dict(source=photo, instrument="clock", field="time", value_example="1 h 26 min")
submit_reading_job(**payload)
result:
5 h 09 min
